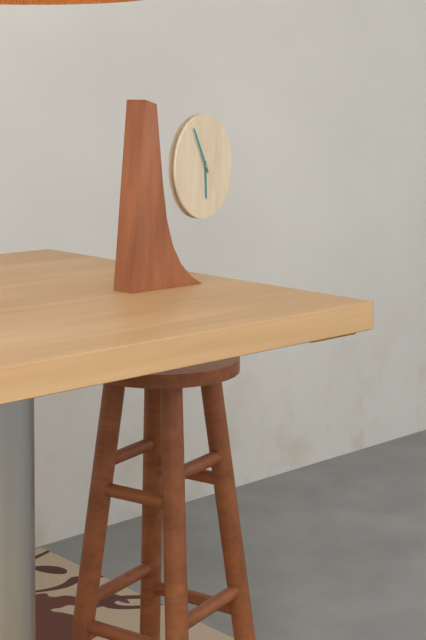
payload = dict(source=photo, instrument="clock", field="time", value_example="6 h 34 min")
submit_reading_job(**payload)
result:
5 h 55 min
